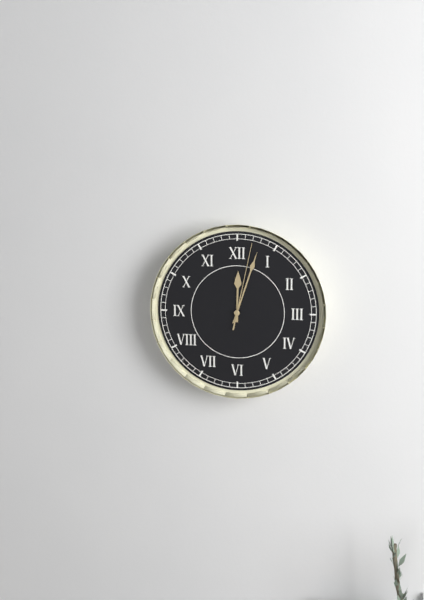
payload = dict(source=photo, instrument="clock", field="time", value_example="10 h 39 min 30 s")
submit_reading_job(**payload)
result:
12 h 03 min 02 s
